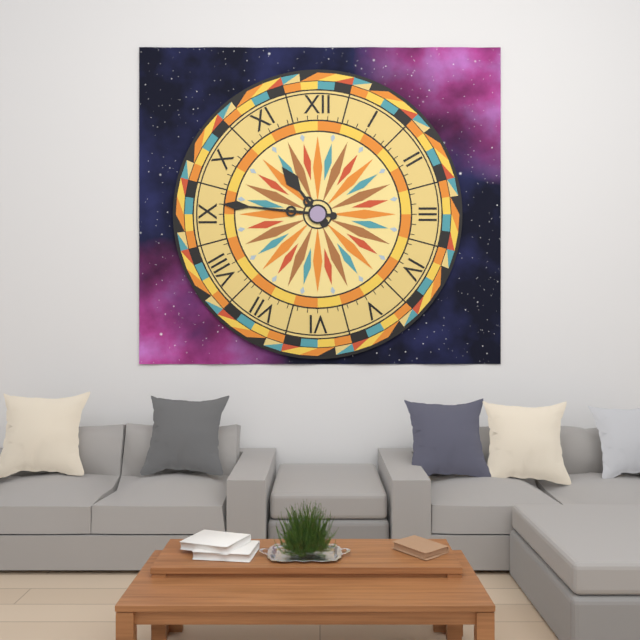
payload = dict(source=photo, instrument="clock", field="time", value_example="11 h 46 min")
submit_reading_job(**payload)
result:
10 h 46 min
